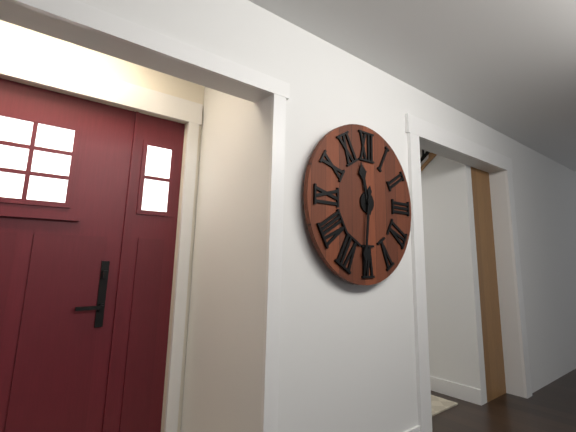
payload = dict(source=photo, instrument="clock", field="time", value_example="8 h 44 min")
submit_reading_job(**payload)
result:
11 h 31 min
